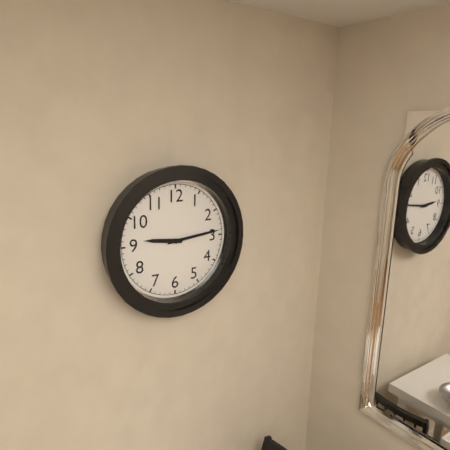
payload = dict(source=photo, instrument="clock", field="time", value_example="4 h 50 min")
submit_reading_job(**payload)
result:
9 h 14 min
